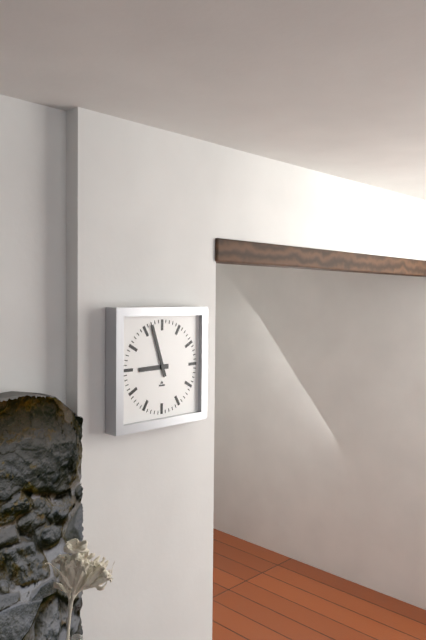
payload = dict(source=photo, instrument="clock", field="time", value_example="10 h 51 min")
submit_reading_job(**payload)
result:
8 h 57 min
